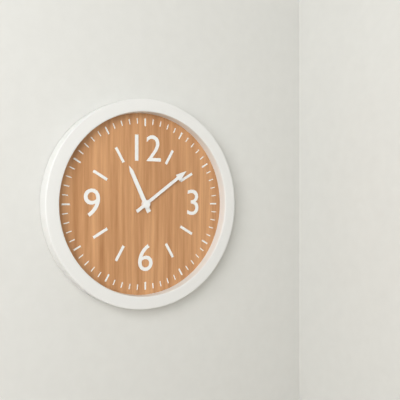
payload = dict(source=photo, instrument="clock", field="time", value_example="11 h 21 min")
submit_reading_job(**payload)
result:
11 h 09 min
